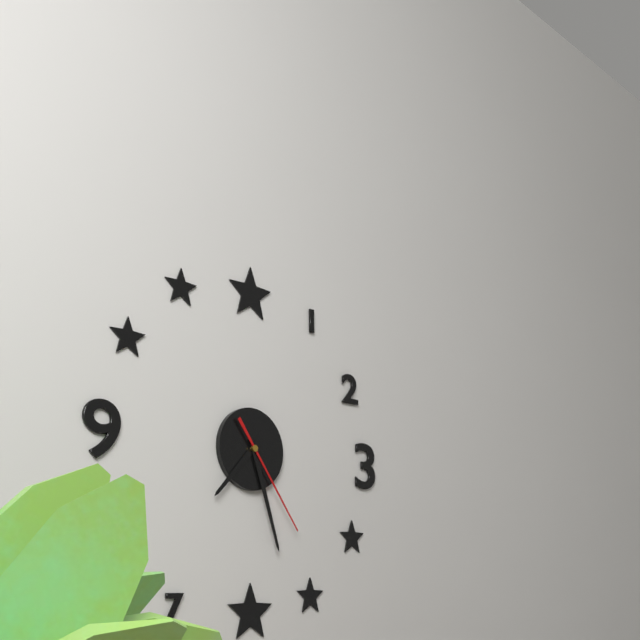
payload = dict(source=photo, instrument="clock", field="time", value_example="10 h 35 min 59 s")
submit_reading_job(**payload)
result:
7 h 27 min 24 s
